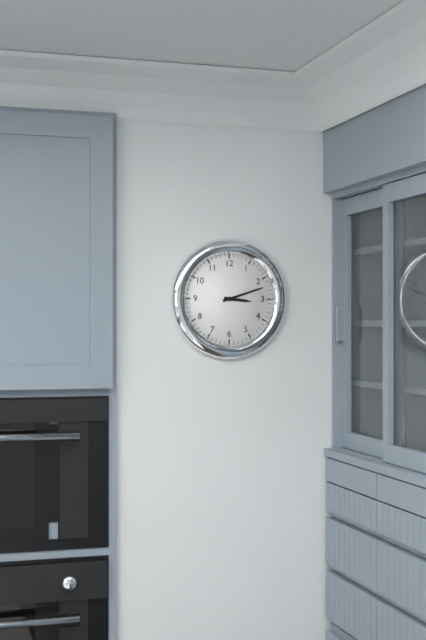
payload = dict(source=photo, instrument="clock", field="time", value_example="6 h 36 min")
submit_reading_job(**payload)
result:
3 h 12 min
